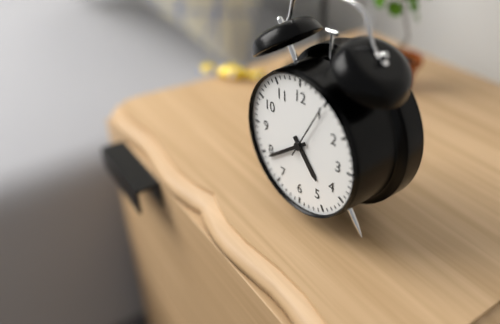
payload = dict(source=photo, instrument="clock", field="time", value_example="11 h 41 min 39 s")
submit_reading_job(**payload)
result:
4 h 39 min 05 s
